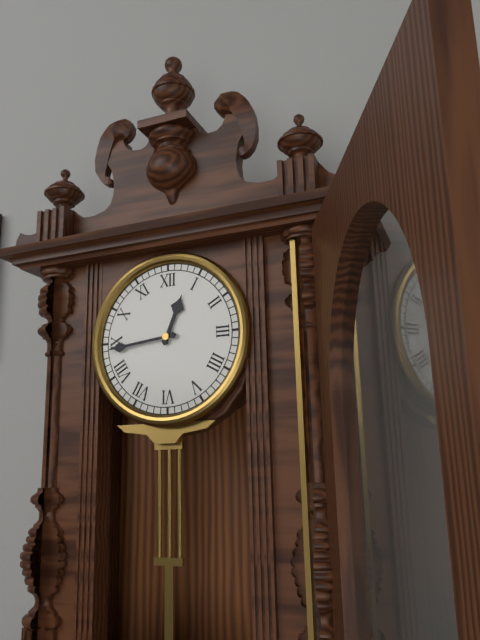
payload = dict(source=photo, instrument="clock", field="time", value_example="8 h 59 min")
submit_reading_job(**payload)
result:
12 h 44 min
